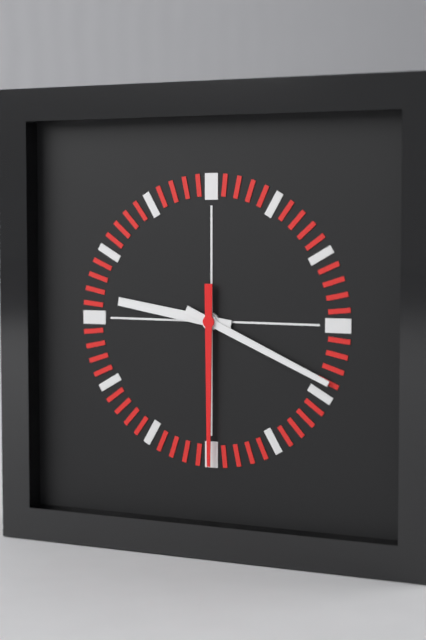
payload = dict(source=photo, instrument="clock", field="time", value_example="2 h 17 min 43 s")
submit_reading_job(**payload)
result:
9 h 19 min 30 s
